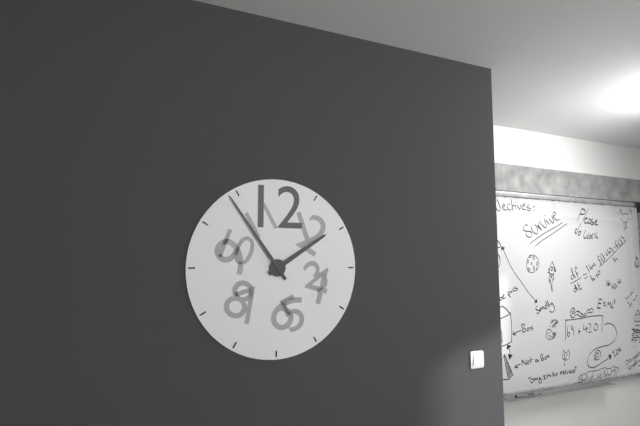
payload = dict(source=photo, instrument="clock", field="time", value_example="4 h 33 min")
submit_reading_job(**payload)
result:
1 h 54 min
